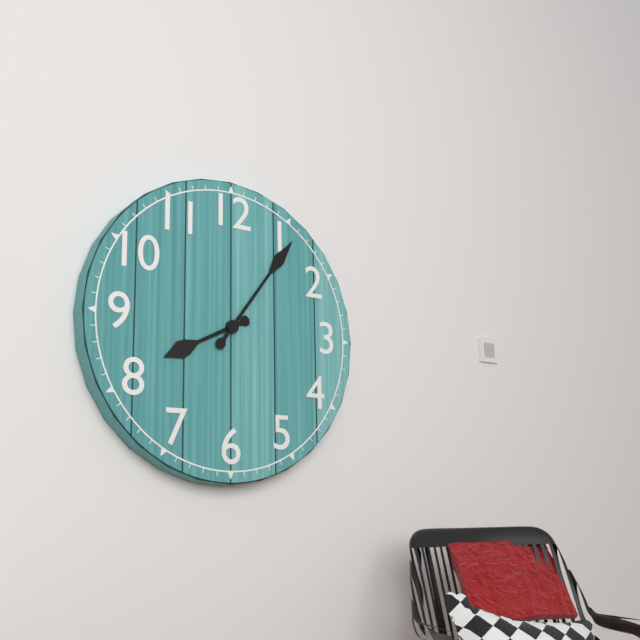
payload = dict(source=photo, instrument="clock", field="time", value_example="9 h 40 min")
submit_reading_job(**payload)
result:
8 h 06 min
